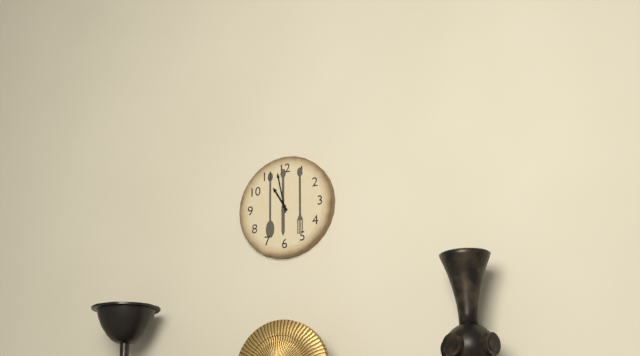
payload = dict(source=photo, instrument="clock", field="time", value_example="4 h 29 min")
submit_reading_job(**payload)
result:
10 h 58 min
